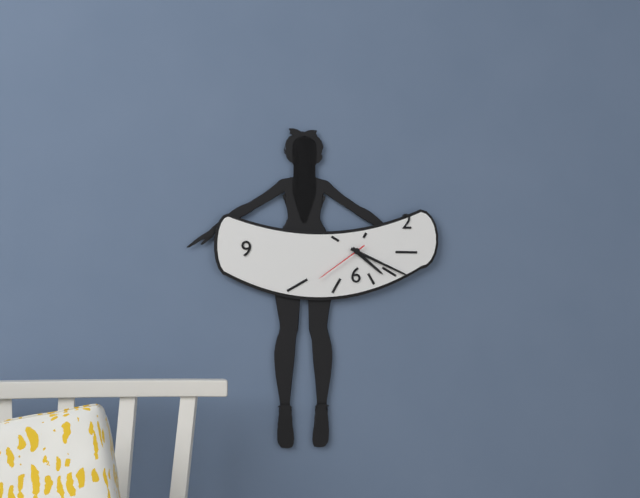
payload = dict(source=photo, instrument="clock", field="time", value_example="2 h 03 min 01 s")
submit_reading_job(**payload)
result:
4 h 19 min 39 s
